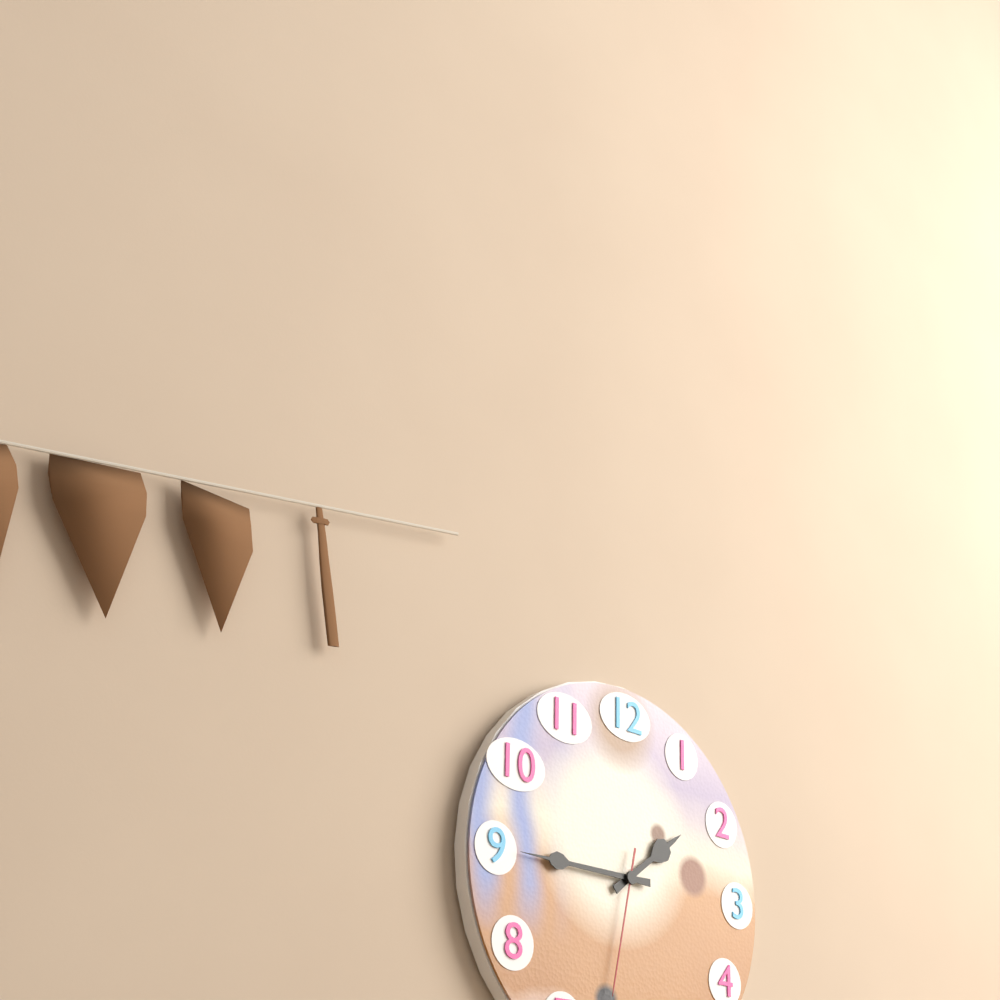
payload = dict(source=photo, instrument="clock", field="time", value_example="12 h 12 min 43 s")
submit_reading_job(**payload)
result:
1 h 45 min 32 s
